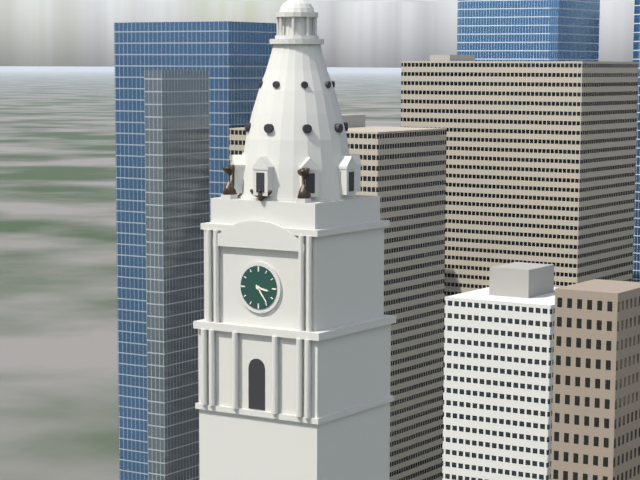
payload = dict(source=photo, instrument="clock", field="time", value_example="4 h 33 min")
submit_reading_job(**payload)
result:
3 h 24 min
